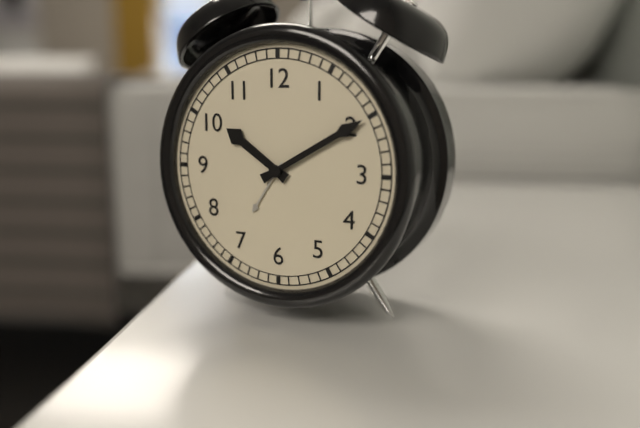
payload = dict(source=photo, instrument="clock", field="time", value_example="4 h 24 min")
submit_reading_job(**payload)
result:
10 h 10 min
